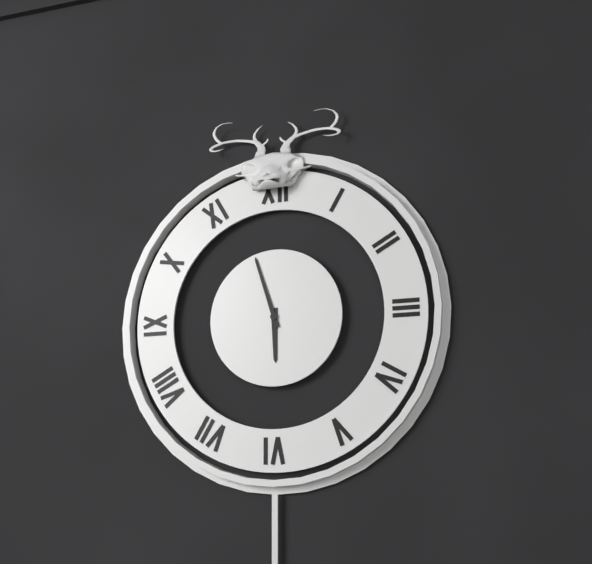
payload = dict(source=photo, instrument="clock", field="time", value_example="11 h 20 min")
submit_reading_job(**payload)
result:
5 h 57 min
